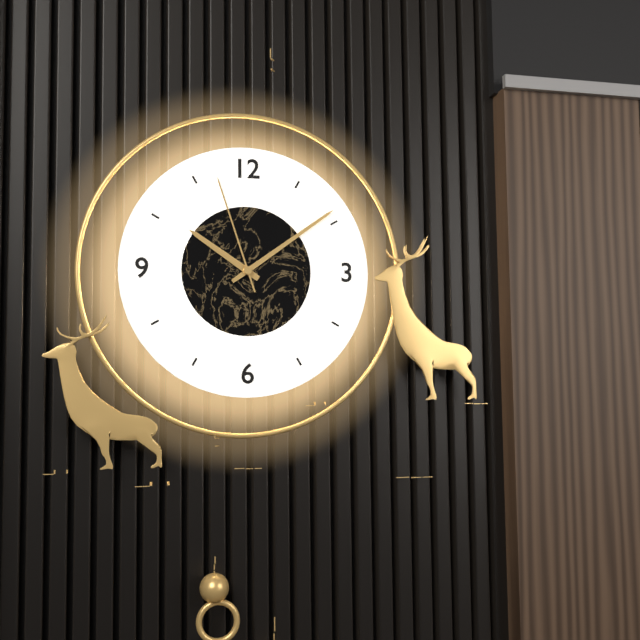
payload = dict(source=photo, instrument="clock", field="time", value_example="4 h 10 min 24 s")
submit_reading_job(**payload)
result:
10 h 09 min 57 s
